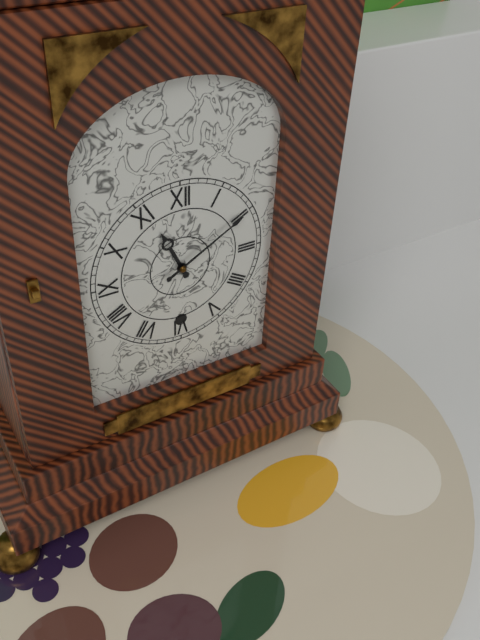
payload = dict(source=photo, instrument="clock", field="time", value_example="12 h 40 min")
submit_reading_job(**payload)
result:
11 h 10 min
